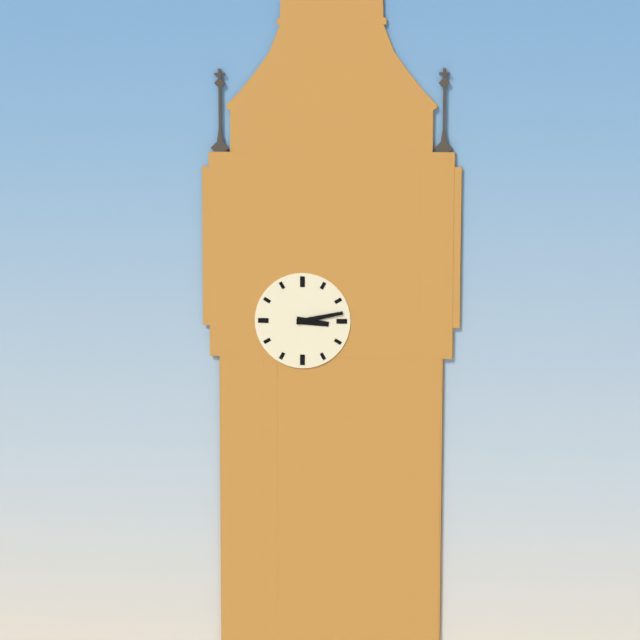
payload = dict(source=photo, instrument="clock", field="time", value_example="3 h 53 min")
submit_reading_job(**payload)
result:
3 h 13 min
